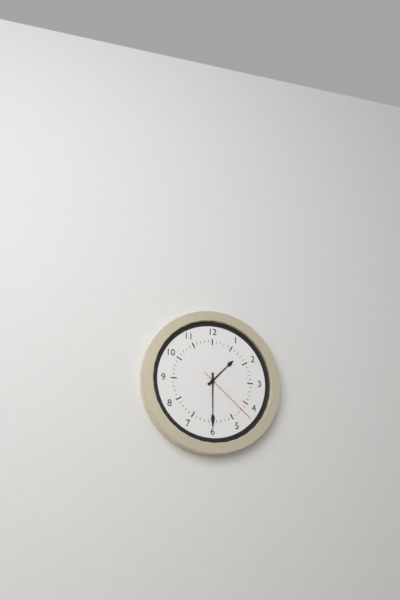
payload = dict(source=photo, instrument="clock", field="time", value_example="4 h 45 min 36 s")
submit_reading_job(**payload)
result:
1 h 30 min 22 s
